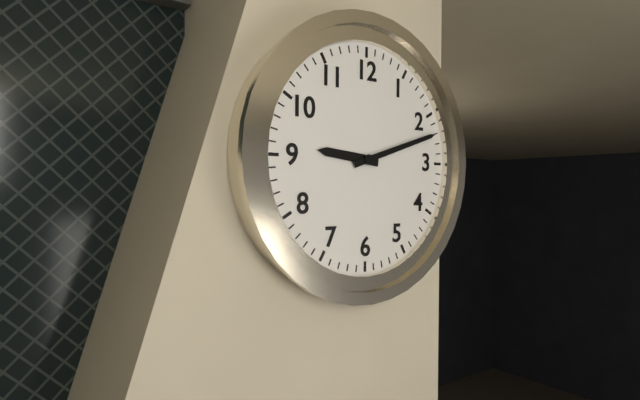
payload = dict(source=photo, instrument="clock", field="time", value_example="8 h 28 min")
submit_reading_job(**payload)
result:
9 h 12 min
